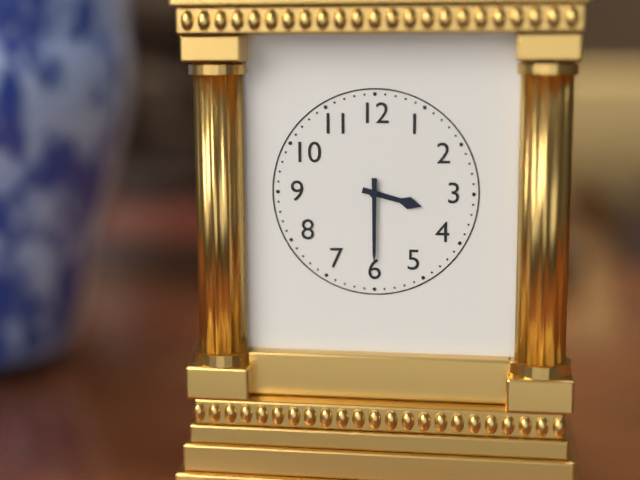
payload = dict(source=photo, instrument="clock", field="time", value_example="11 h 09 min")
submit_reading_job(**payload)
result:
3 h 30 min
